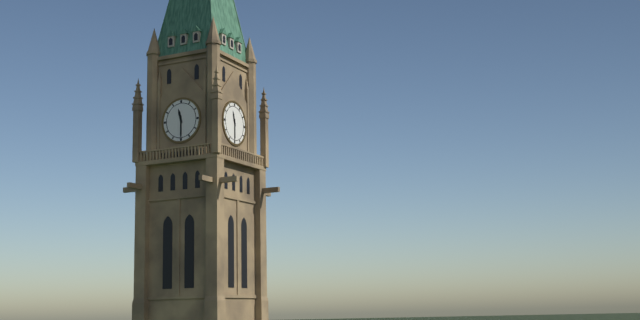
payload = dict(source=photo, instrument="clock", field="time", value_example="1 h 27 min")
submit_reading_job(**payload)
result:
11 h 30 min
